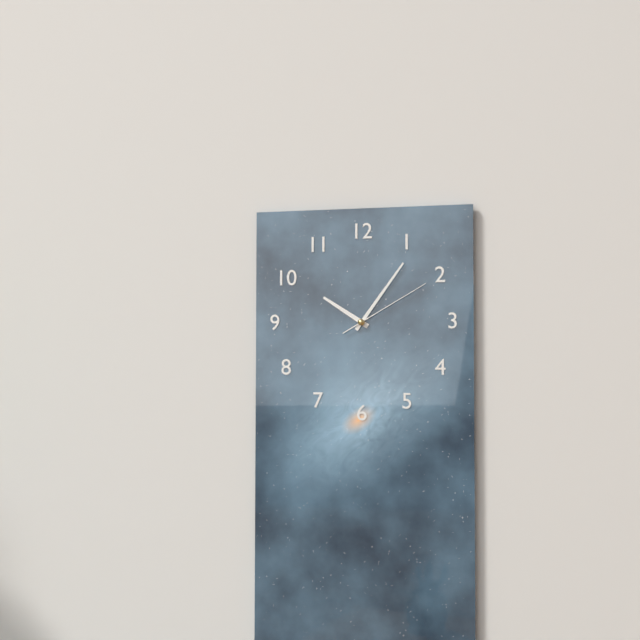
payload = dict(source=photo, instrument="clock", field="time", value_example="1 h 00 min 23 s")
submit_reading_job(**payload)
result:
10 h 06 min 10 s
